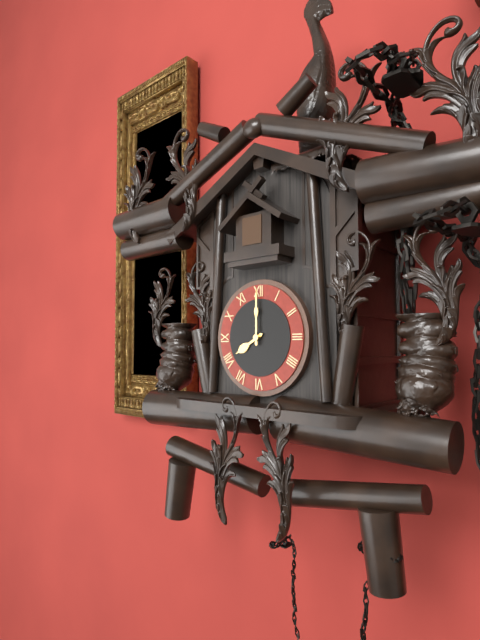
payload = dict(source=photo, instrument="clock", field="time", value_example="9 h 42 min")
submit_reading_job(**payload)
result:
8 h 00 min
